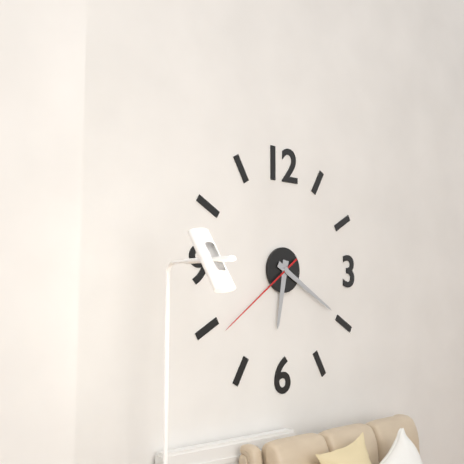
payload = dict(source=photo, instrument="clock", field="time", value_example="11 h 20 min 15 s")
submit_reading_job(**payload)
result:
6 h 20 min 39 s
